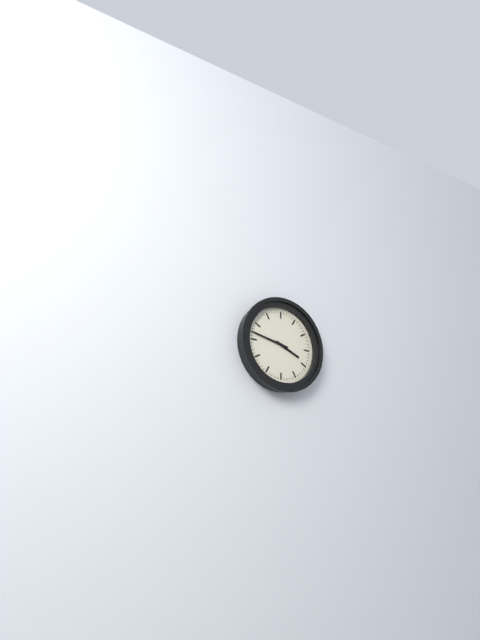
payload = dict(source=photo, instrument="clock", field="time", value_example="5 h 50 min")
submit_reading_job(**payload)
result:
3 h 47 min
